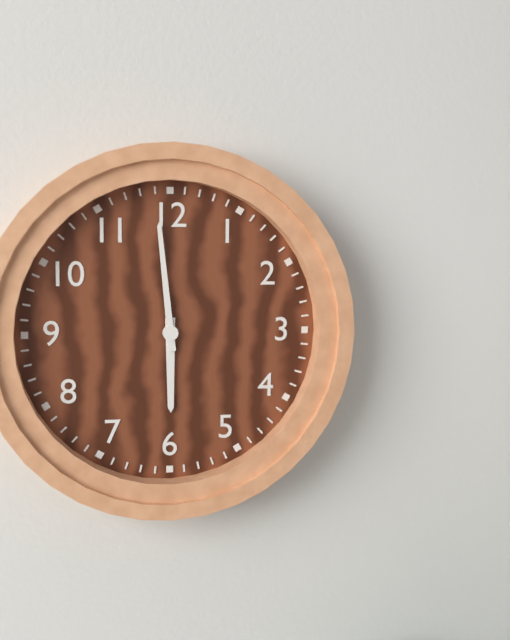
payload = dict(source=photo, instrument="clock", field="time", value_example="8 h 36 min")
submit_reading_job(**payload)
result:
5 h 59 min
